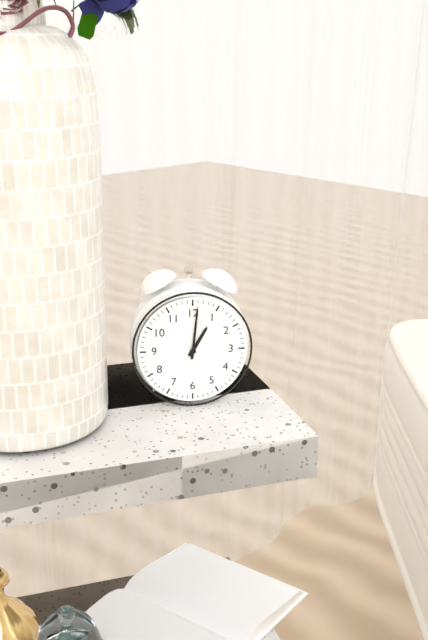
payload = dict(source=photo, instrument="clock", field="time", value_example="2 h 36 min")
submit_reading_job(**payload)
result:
1 h 01 min
